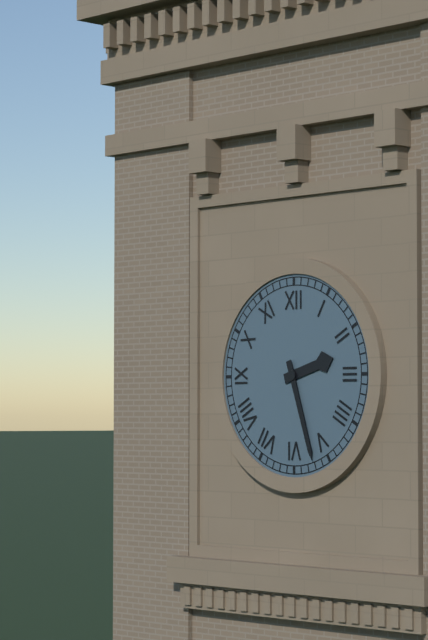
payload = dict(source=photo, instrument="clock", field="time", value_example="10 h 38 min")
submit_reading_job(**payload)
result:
2 h 27 min
